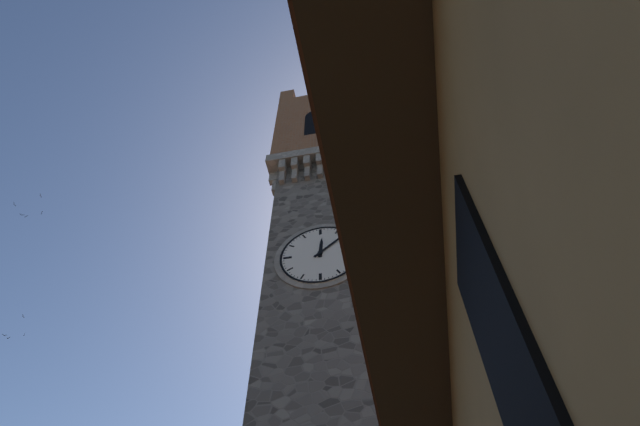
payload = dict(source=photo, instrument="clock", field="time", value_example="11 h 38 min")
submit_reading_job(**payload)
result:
12 h 08 min
